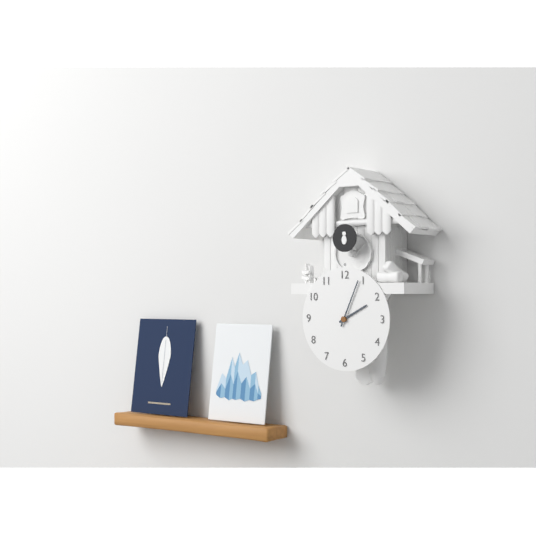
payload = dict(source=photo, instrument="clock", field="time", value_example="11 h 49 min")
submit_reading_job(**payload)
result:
2 h 04 min
